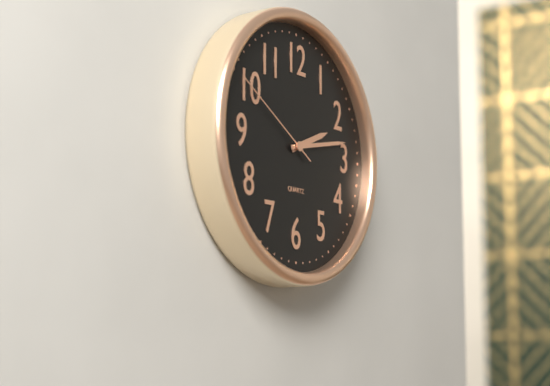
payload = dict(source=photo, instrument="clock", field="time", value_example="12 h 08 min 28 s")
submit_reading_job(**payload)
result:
2 h 13 min 50 s
